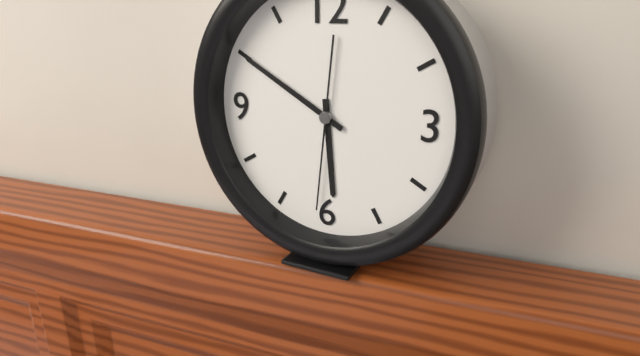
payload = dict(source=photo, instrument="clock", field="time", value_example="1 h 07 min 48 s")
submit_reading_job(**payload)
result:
5 h 50 min 31 s
